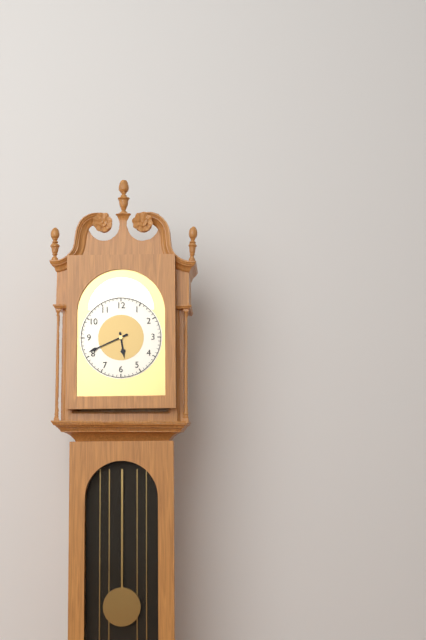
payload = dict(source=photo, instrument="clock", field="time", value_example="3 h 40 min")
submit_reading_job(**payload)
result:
5 h 41 min
